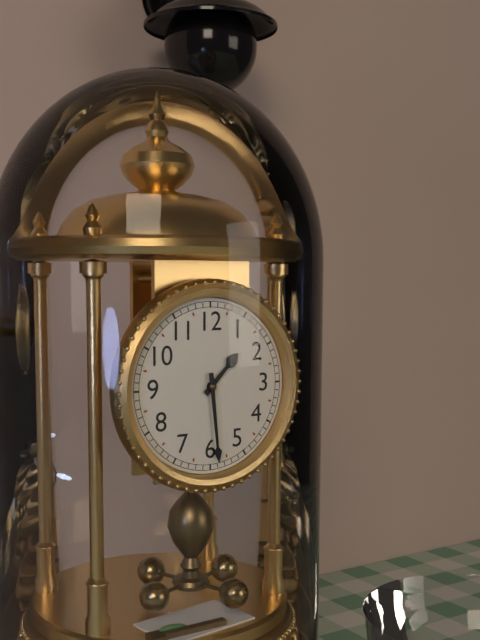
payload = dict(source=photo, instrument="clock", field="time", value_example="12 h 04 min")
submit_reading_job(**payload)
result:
1 h 29 min
